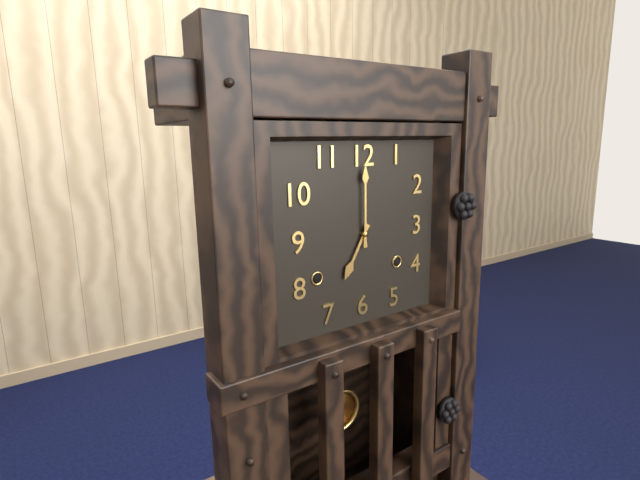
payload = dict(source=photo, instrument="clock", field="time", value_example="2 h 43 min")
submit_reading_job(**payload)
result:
7 h 00 min
